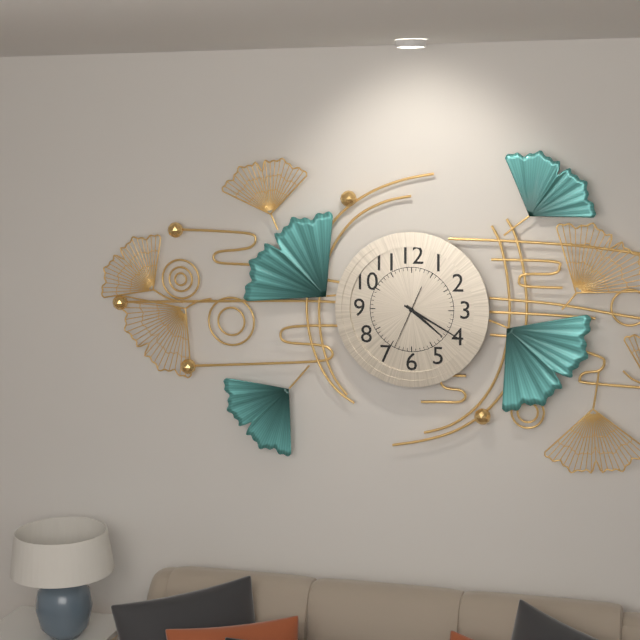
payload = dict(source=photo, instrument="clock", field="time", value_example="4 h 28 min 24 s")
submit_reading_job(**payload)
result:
4 h 20 min 34 s
